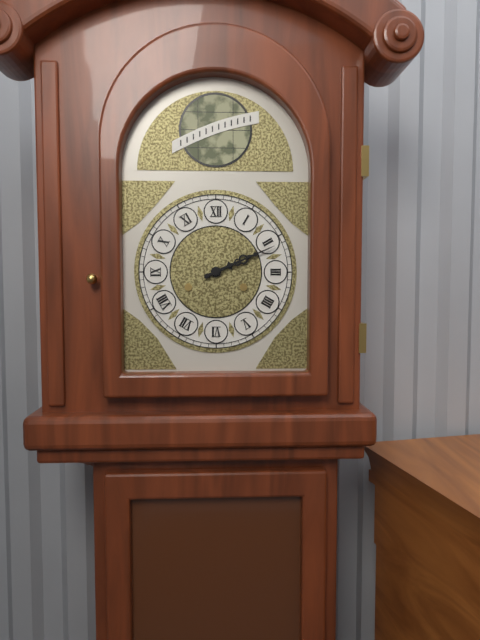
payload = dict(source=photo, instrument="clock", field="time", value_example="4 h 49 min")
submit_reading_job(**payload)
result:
2 h 11 min
